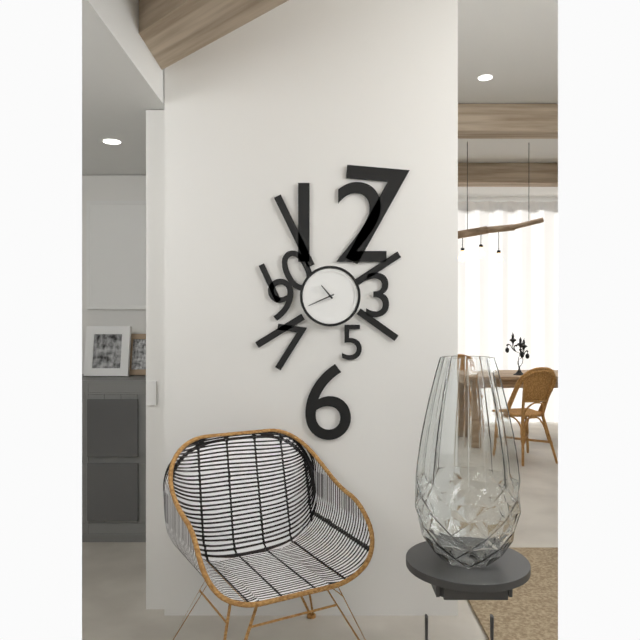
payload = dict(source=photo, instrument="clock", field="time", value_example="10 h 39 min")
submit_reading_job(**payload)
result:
10 h 41 min
